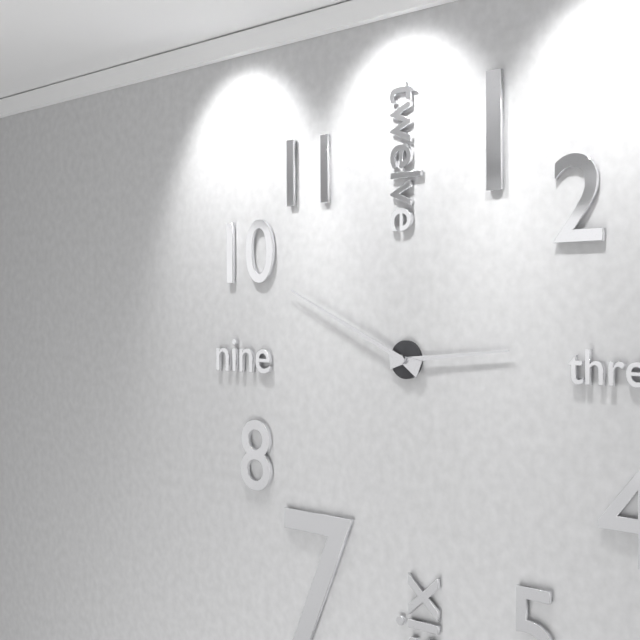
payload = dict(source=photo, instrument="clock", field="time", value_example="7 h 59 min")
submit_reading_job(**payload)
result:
2 h 49 min
